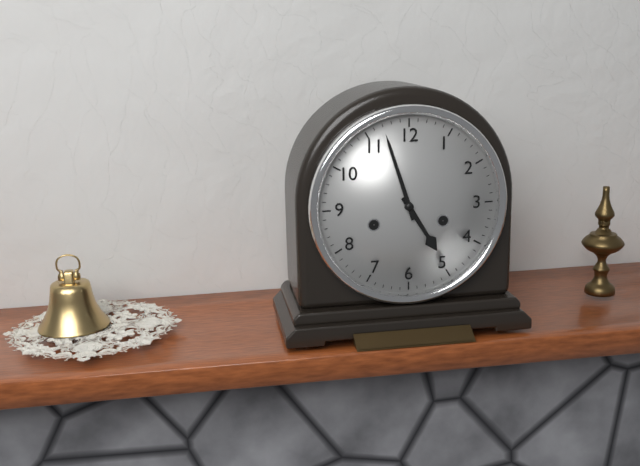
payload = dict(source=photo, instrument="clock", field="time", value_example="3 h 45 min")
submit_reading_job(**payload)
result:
4 h 57 min
